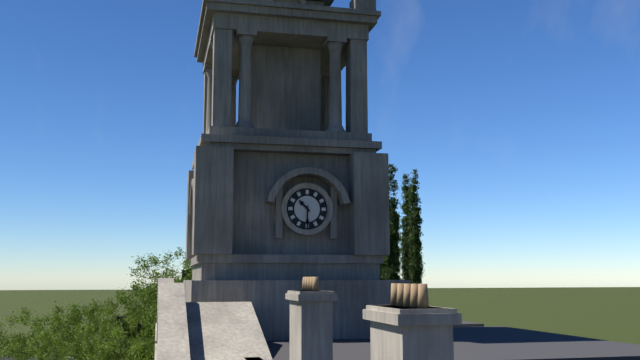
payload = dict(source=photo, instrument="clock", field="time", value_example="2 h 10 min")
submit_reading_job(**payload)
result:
10 h 30 min
